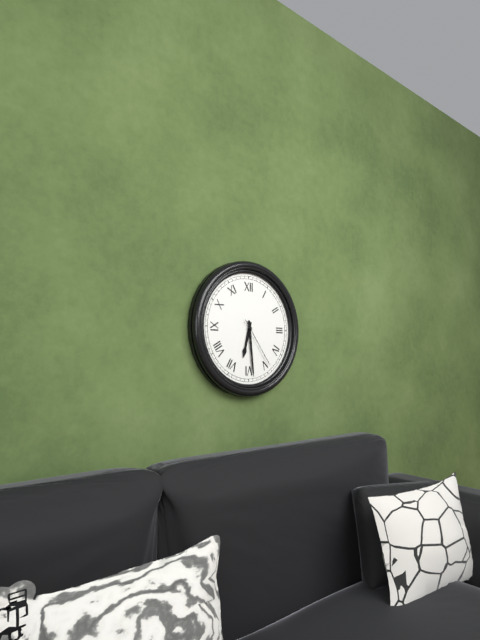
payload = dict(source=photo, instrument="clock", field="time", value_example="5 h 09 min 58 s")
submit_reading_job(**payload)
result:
6 h 29 min 24 s
